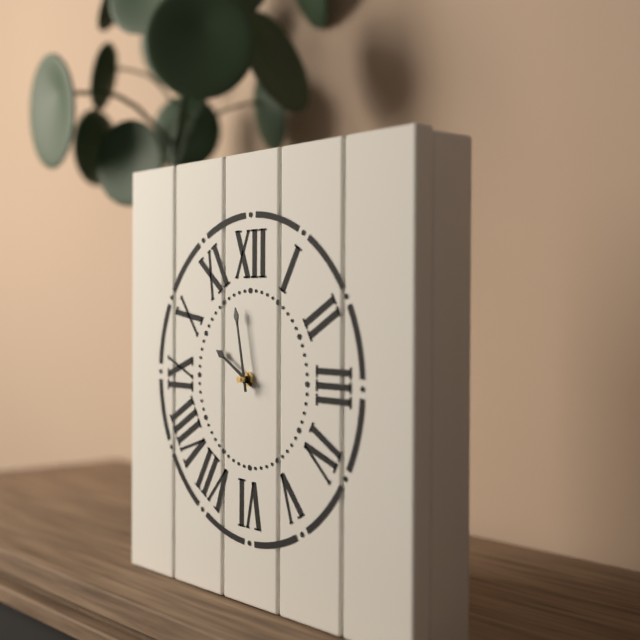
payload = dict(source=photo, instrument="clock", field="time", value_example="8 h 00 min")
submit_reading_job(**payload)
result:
9 h 58 min
